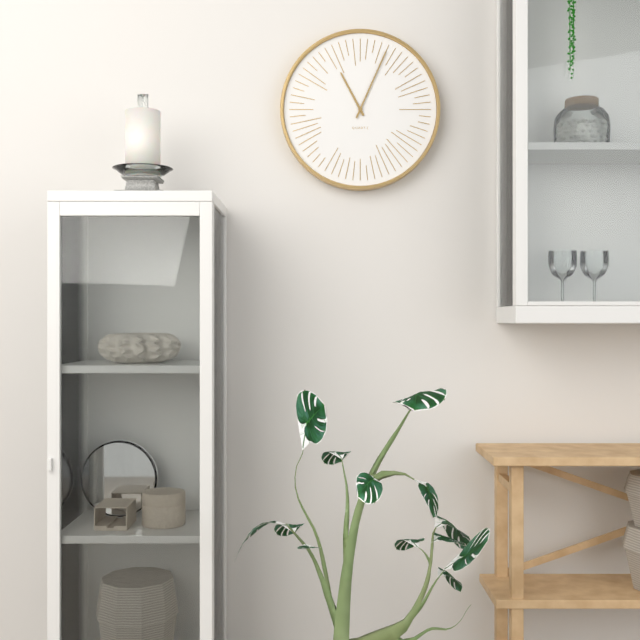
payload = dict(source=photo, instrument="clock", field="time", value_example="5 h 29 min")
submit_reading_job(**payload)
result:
11 h 04 min
